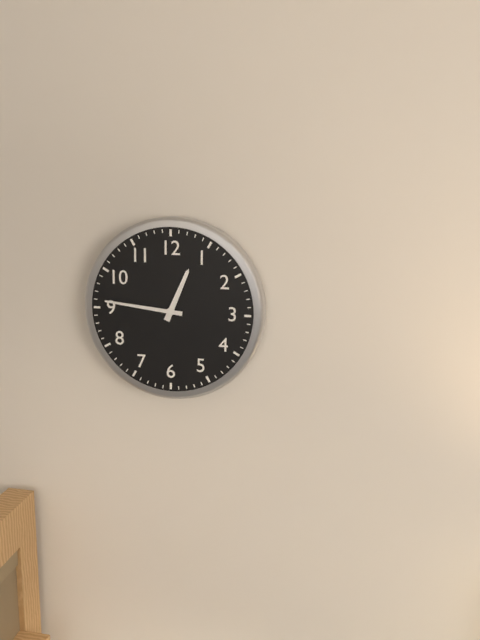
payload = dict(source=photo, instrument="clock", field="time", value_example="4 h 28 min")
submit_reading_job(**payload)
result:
12 h 46 min
